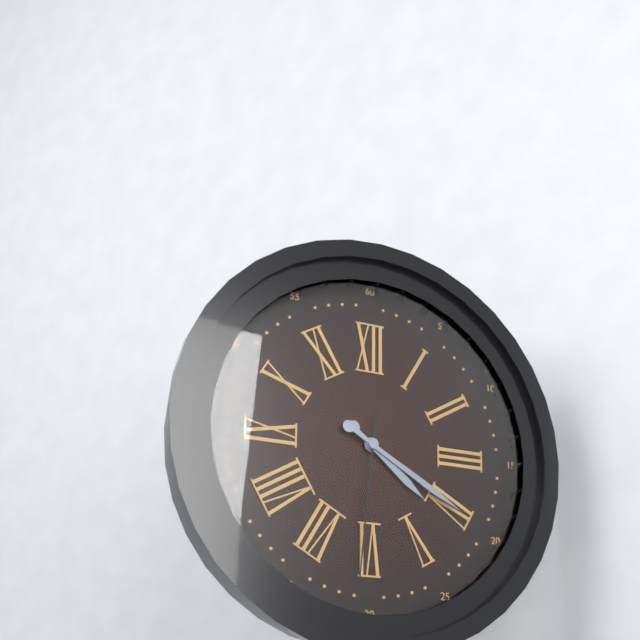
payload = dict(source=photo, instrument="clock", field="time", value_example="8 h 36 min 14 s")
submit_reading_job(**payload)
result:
4 h 20 min 31 s
